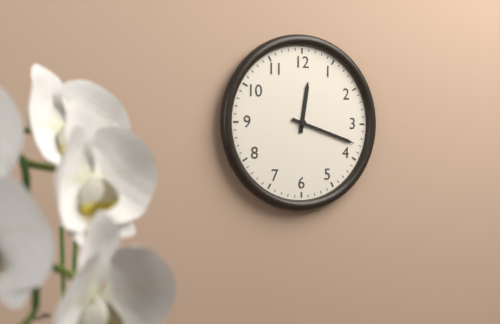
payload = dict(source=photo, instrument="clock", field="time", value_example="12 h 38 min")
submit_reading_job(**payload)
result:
12 h 18 min
